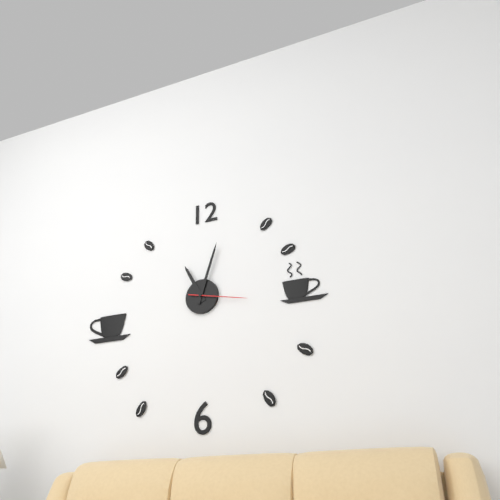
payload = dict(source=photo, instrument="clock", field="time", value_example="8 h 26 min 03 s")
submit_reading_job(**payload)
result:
11 h 03 min 17 s
